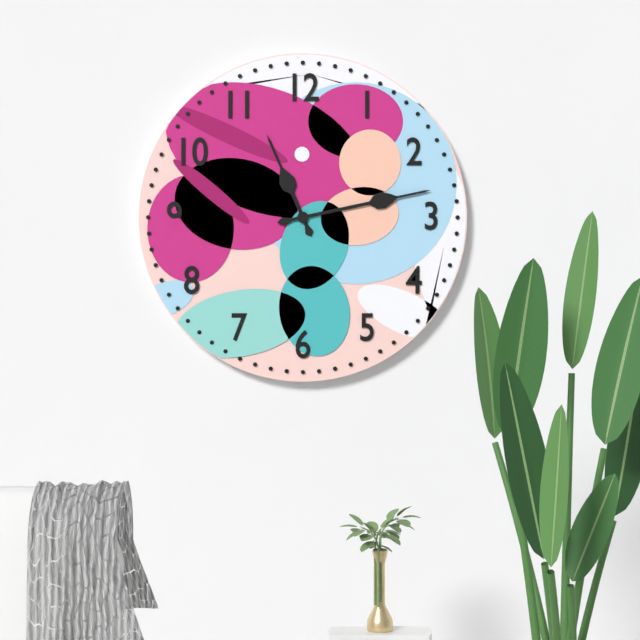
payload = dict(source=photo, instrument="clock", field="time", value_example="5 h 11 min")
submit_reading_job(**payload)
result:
11 h 13 min
